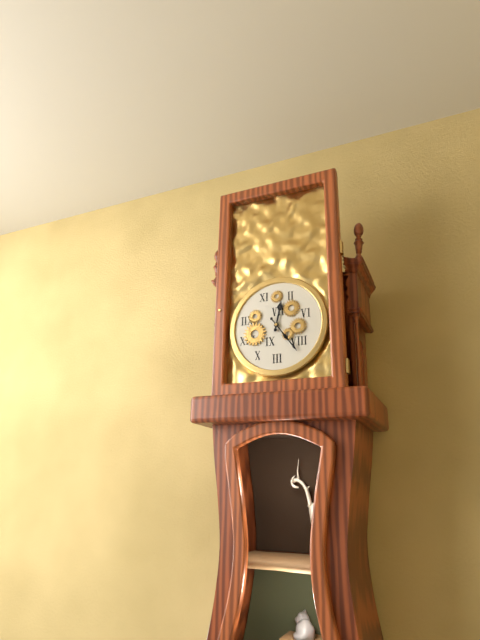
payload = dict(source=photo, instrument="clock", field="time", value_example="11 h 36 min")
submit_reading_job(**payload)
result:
12 h 24 min
